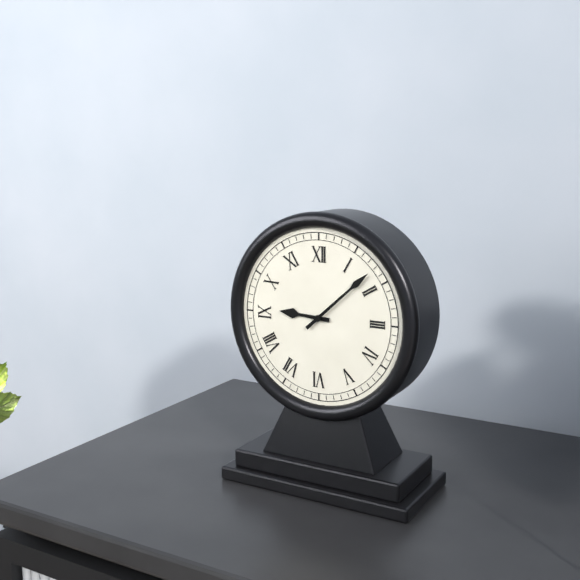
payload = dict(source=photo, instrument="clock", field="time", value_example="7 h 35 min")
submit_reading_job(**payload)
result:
9 h 08 min
